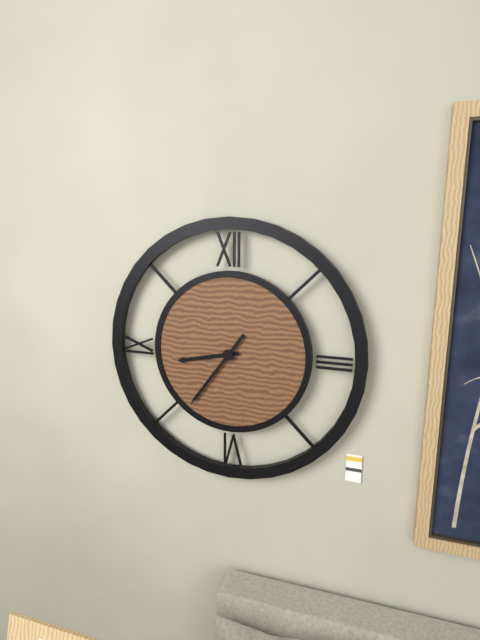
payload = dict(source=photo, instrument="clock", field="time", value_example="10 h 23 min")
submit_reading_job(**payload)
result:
8 h 36 min
